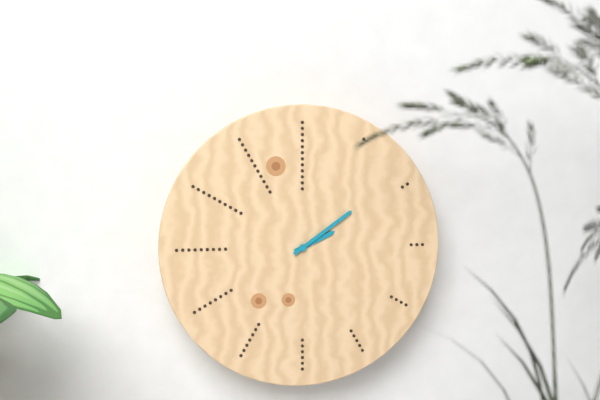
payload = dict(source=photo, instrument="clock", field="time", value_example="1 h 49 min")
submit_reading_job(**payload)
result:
2 h 09 min
